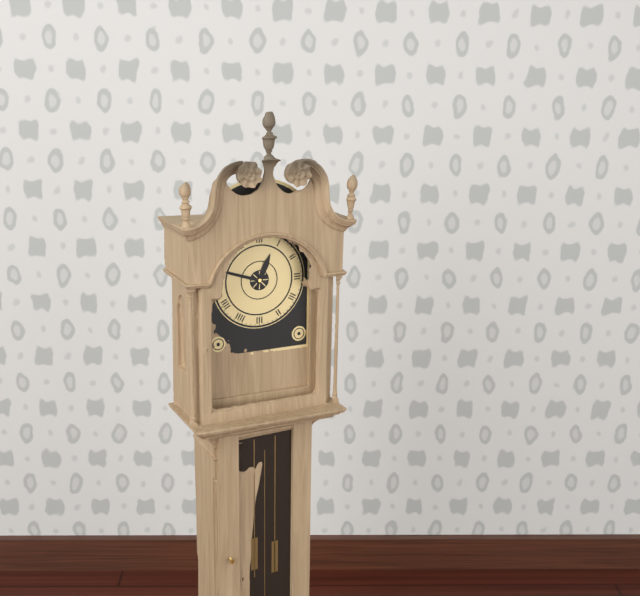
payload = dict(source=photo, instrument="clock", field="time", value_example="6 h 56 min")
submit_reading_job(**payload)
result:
12 h 48 min
